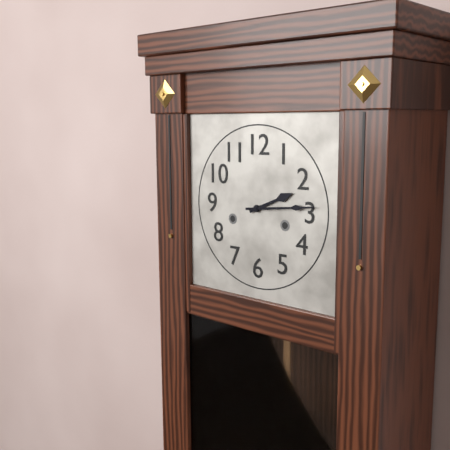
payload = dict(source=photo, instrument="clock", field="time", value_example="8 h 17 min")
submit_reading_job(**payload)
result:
2 h 14 min
